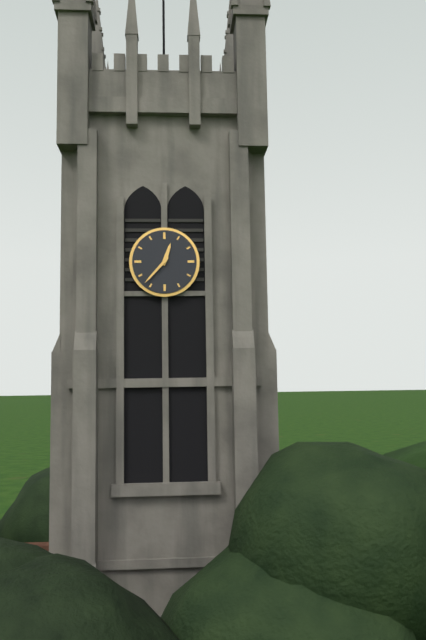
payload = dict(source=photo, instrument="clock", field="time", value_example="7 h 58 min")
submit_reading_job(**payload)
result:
12 h 37 min
